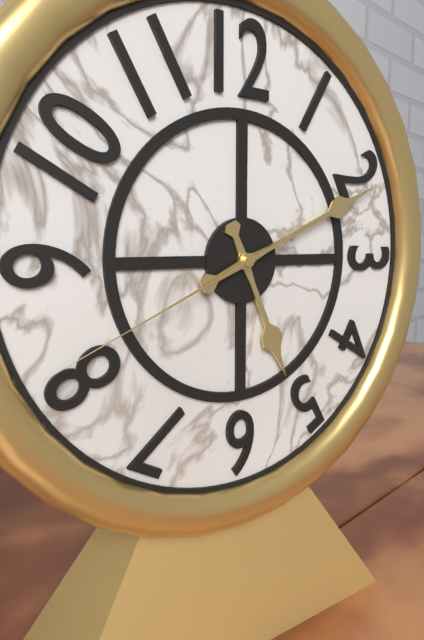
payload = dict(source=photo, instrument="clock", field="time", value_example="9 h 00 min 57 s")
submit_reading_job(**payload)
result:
5 h 11 min 41 s
